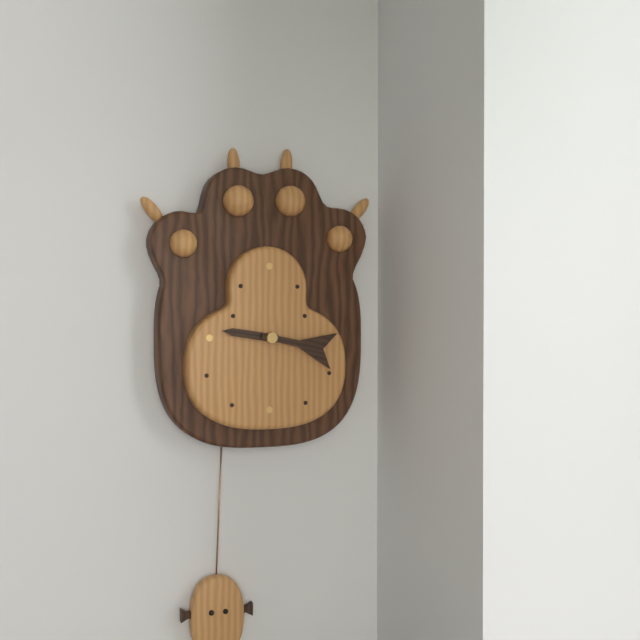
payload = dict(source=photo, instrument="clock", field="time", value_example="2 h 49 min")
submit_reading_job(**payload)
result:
9 h 17 min
